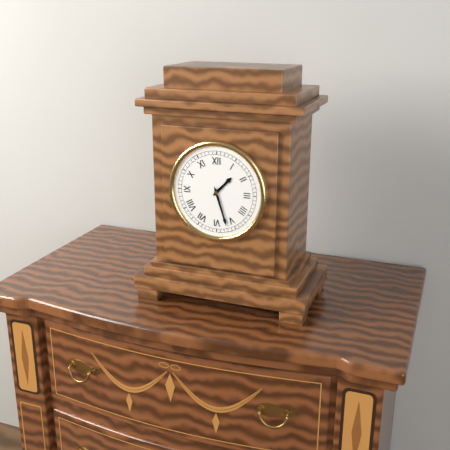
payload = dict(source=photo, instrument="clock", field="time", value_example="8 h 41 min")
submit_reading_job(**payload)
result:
1 h 27 min
